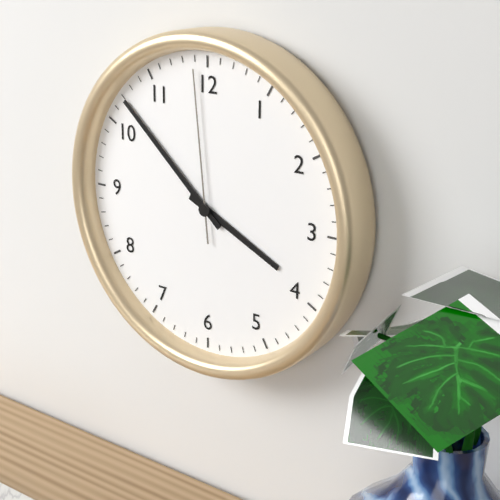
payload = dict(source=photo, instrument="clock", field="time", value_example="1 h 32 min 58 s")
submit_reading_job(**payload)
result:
3 h 52 min 59 s
